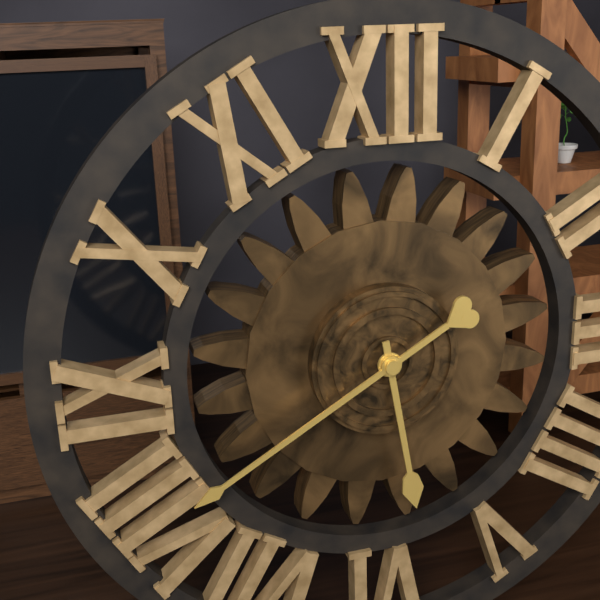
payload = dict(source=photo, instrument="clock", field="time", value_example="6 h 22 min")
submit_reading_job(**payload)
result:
5 h 40 min
